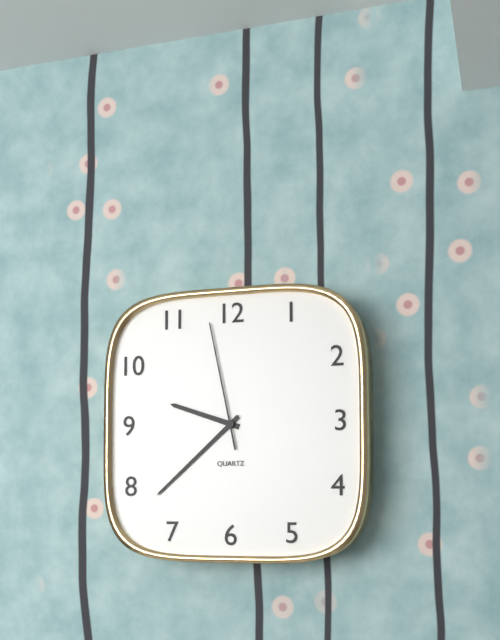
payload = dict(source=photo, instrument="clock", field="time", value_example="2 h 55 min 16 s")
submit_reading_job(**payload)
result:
9 h 38 min 58 s
